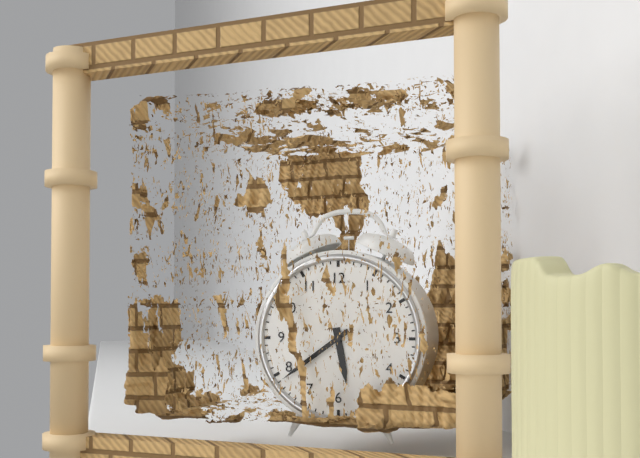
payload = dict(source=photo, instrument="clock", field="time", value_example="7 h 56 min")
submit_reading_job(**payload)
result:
5 h 39 min
